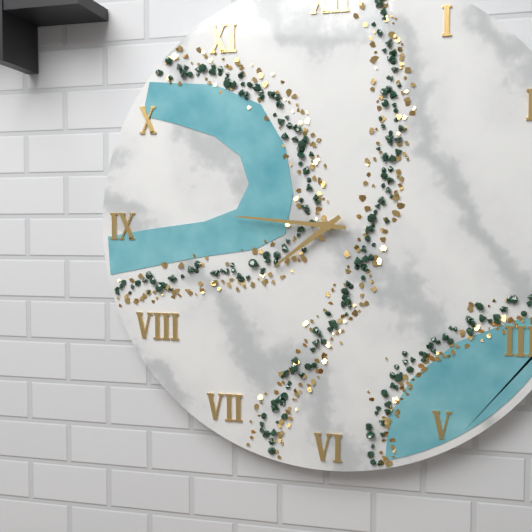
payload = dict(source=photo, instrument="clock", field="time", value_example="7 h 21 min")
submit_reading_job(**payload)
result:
7 h 46 min
